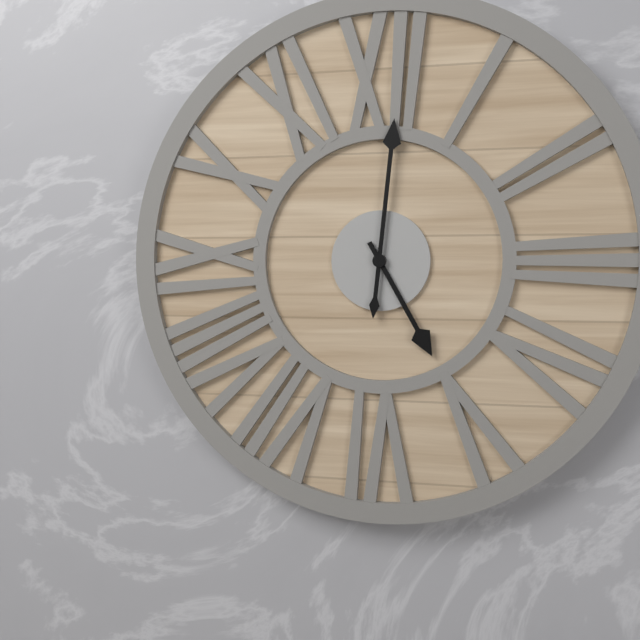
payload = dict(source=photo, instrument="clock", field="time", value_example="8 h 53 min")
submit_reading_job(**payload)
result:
5 h 01 min
